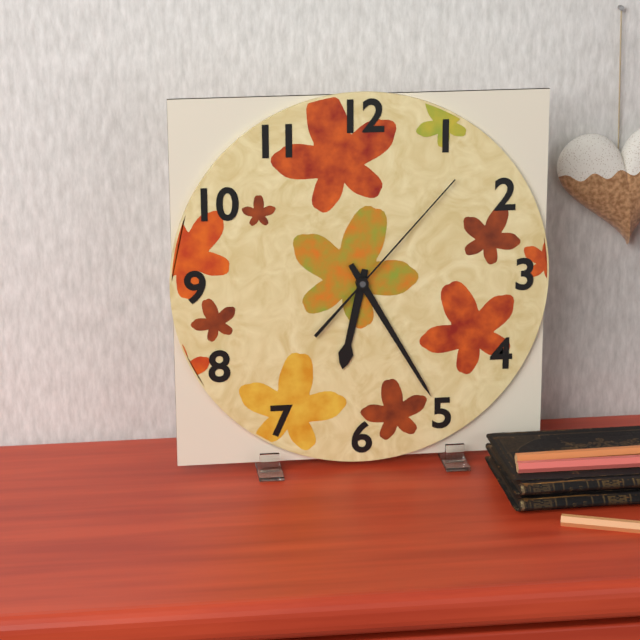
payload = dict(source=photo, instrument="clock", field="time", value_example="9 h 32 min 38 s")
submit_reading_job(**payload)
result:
6 h 25 min 07 s
